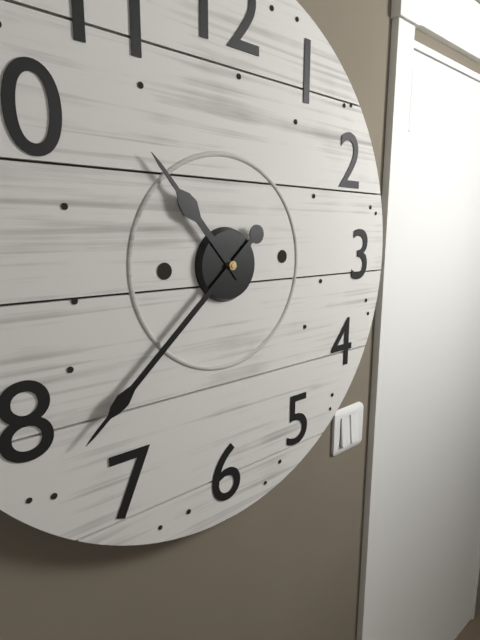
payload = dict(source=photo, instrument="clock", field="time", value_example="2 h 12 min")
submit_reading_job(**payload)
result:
10 h 38 min
